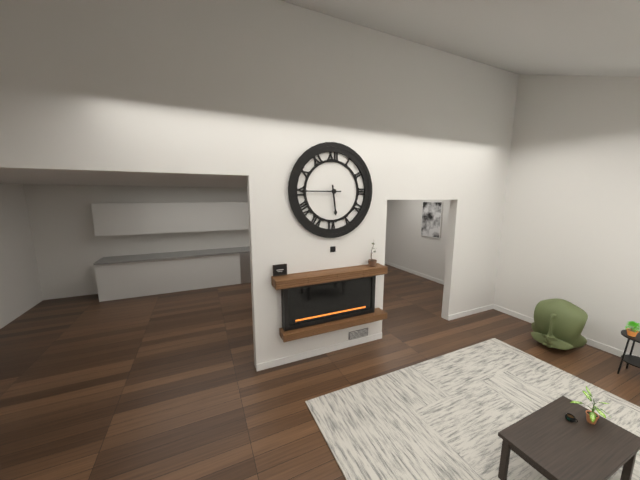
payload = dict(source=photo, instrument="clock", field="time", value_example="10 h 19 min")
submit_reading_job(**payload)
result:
5 h 45 min
